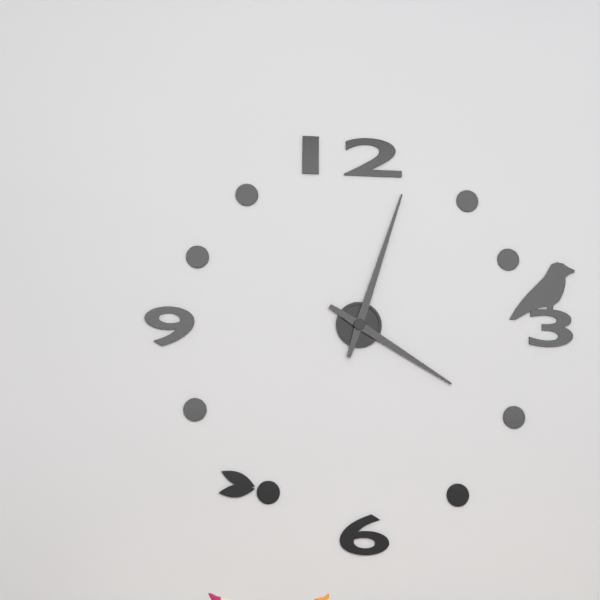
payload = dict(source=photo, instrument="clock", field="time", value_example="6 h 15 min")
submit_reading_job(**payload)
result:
4 h 03 min
